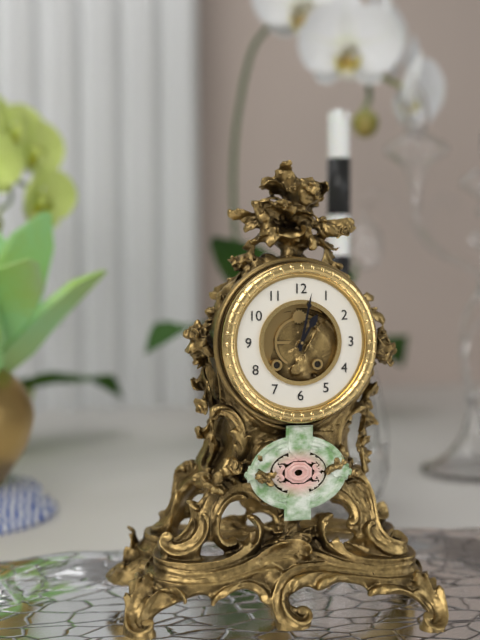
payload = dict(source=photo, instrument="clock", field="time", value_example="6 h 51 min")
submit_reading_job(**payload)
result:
1 h 02 min
